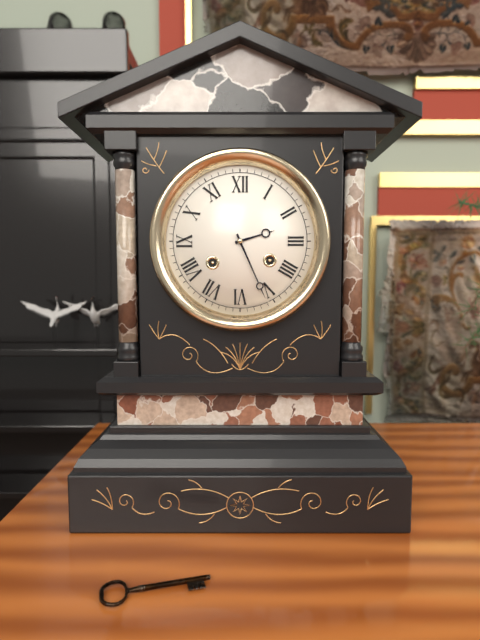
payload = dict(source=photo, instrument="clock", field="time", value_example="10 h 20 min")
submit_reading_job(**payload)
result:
2 h 26 min
